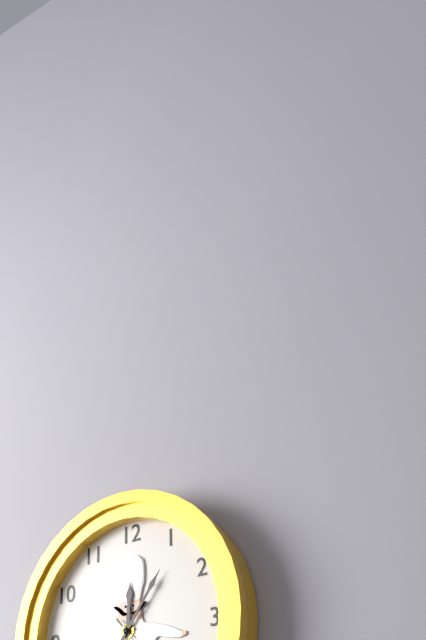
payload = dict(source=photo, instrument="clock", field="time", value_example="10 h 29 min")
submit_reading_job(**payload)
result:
12 h 06 min
